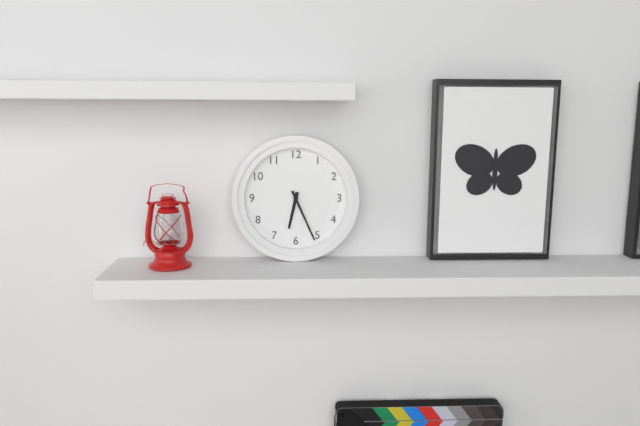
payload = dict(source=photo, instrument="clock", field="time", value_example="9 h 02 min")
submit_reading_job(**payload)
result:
6 h 26 min
